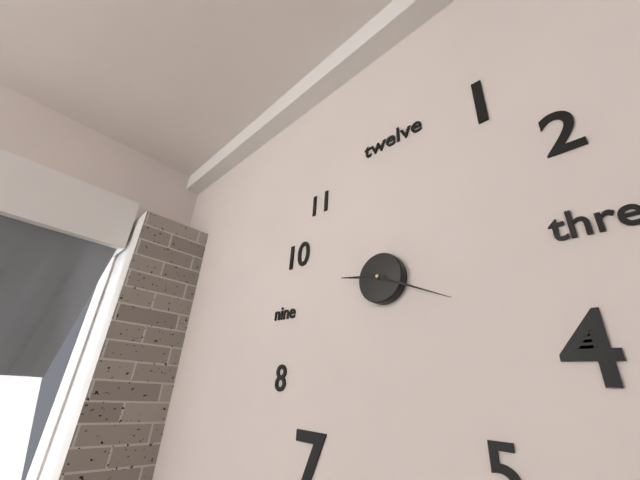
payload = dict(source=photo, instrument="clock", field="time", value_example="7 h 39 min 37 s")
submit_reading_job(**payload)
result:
9 h 19 min 19 s
